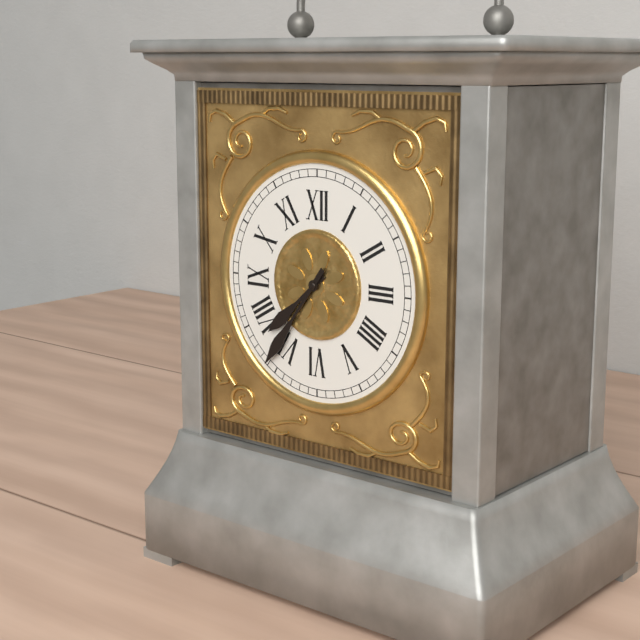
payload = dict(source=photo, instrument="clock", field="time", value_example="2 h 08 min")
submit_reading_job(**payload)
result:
7 h 36 min
